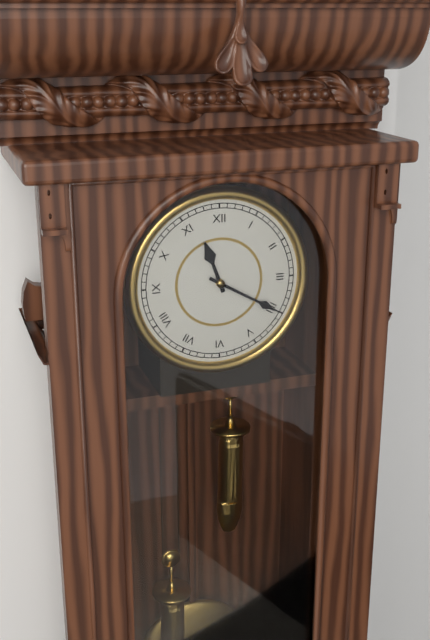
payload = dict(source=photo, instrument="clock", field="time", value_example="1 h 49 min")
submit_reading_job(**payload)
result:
11 h 20 min
